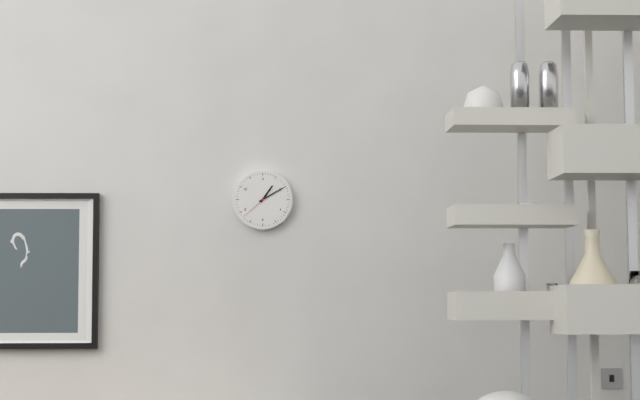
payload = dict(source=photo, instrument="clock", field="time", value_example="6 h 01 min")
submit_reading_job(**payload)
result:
1 h 10 min
